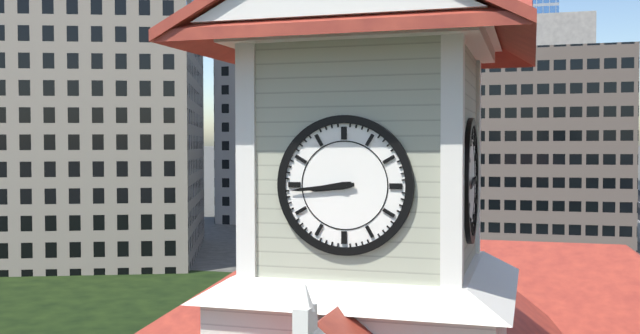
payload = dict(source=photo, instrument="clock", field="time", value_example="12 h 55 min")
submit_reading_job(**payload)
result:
8 h 44 min
